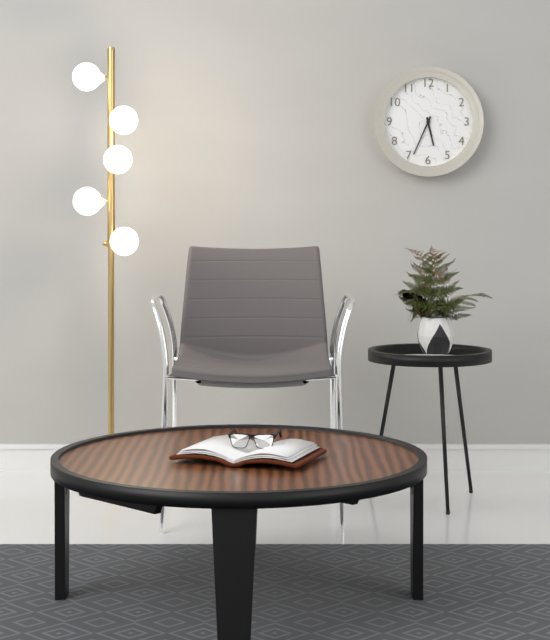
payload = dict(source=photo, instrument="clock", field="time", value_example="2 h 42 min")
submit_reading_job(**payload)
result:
5 h 34 min
